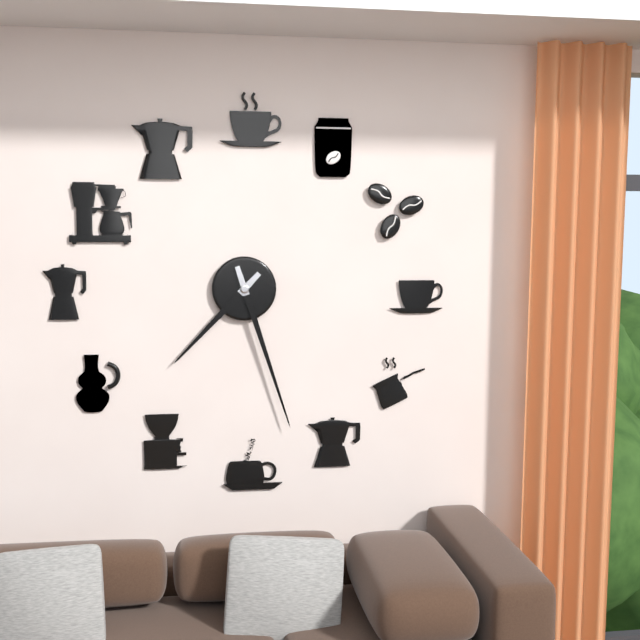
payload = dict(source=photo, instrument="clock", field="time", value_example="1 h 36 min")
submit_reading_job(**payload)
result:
7 h 27 min
